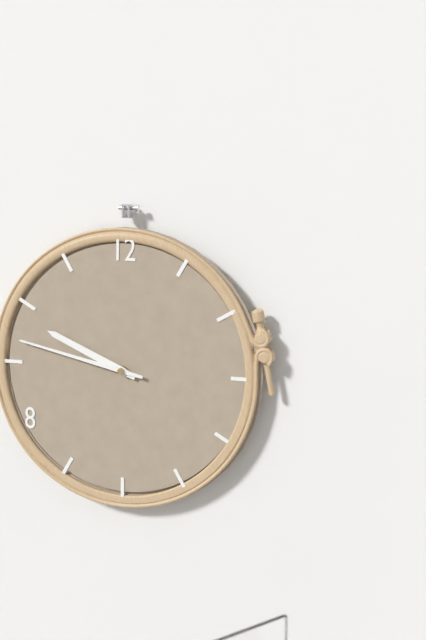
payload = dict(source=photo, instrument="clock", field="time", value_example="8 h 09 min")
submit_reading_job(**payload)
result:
9 h 47 min
